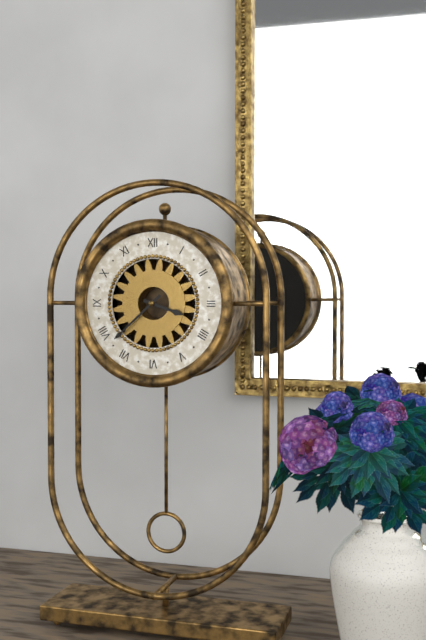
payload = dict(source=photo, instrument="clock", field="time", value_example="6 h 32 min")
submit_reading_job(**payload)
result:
3 h 38 min
